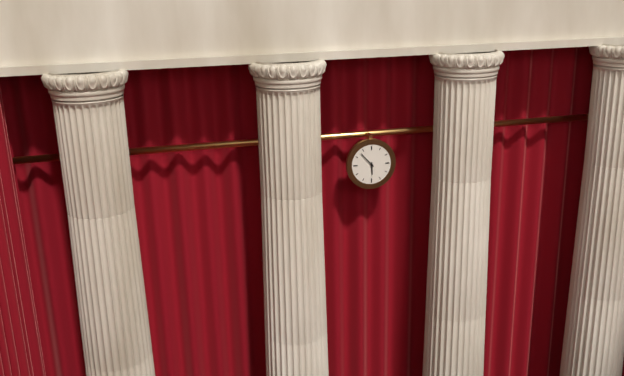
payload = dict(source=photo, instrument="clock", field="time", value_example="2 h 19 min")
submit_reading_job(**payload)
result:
5 h 53 min
